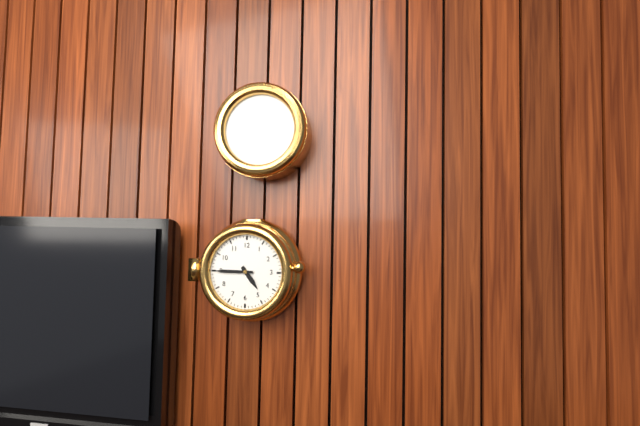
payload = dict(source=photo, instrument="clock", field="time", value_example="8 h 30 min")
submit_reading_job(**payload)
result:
4 h 45 min
